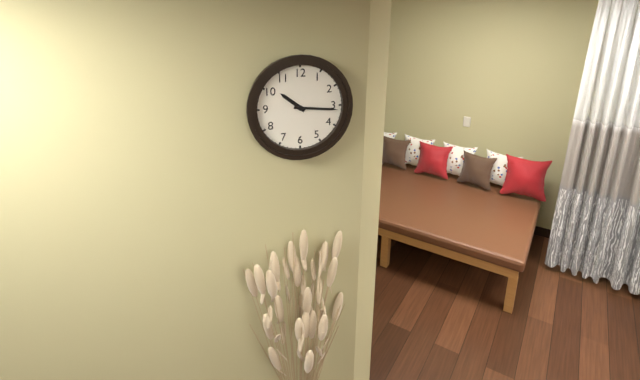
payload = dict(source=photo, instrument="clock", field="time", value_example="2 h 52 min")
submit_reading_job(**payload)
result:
10 h 16 min
